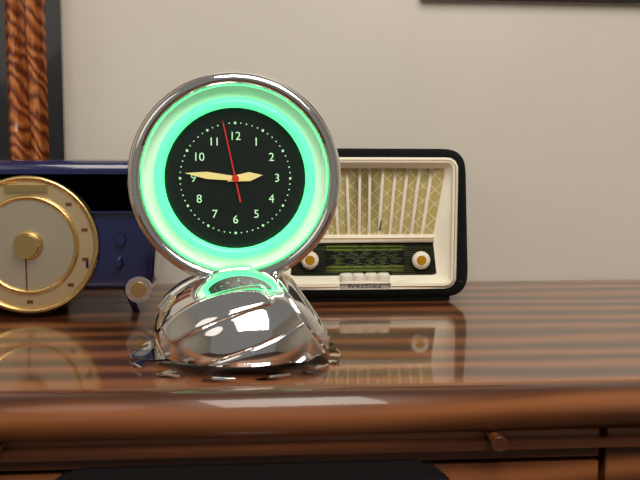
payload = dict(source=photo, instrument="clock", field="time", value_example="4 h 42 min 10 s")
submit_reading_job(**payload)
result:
2 h 46 min 58 s
